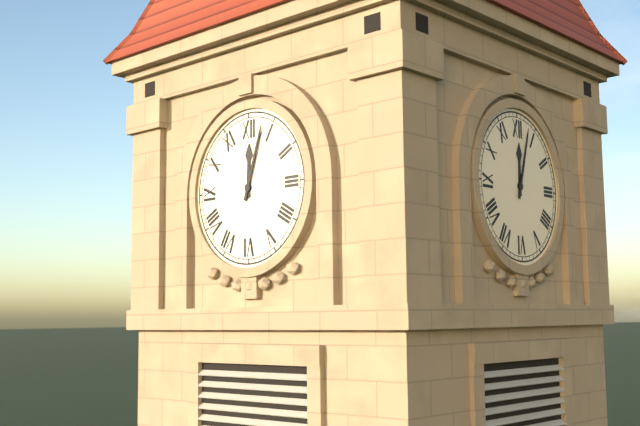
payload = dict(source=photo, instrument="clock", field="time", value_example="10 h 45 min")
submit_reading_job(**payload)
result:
12 h 03 min
